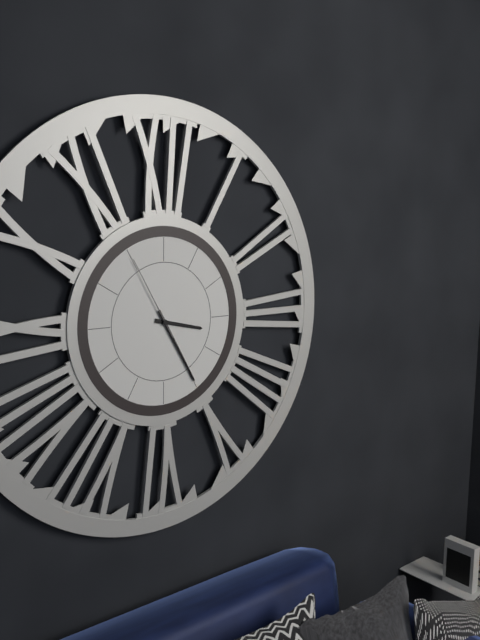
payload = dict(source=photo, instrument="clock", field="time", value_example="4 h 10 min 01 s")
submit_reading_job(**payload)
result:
3 h 25 min 55 s
